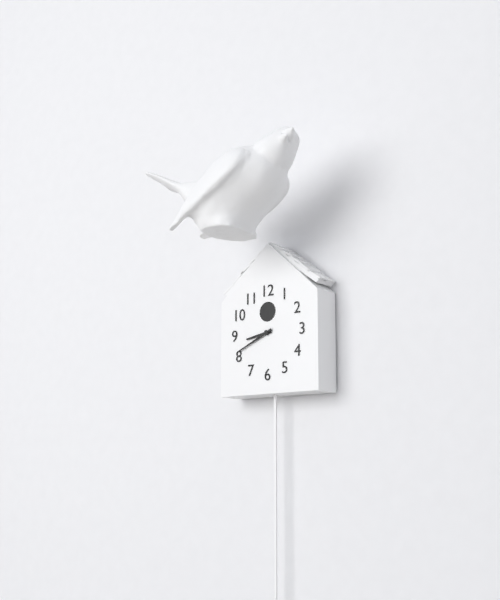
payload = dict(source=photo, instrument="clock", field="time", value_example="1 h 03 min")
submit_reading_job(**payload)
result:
8 h 41 min
